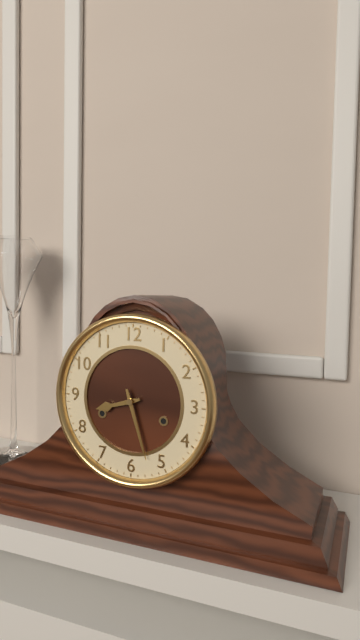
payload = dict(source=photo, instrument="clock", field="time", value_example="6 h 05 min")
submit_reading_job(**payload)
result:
8 h 27 min
